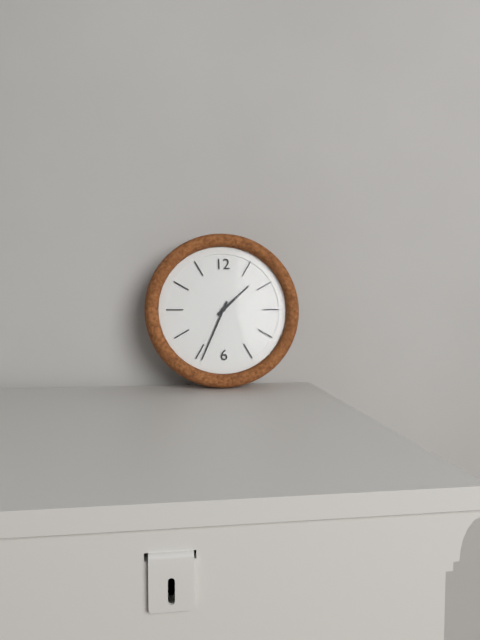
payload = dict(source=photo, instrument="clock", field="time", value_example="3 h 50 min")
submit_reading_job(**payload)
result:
1 h 34 min
